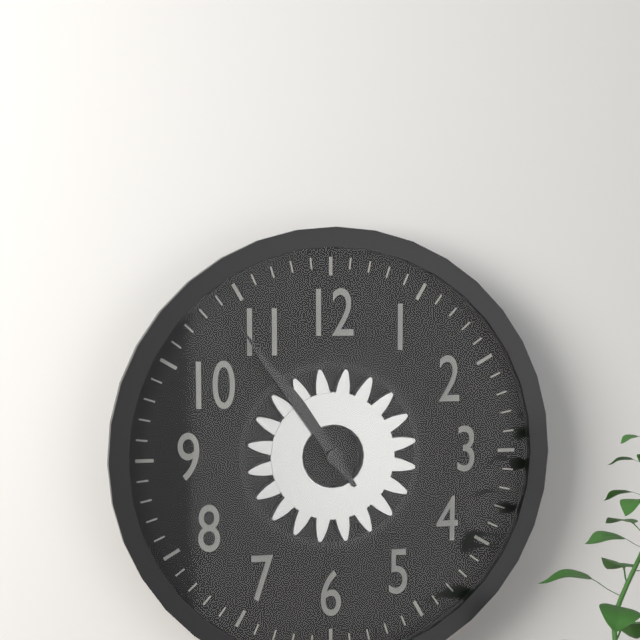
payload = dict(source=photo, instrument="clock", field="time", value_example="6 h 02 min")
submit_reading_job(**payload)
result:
10 h 54 min
